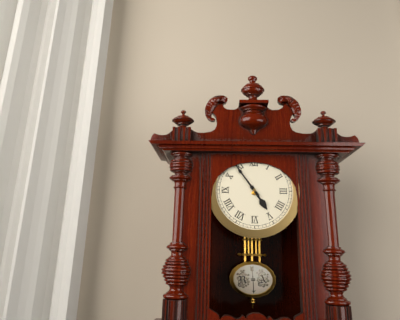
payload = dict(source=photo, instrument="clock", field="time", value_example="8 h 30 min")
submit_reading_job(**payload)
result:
4 h 54 min
